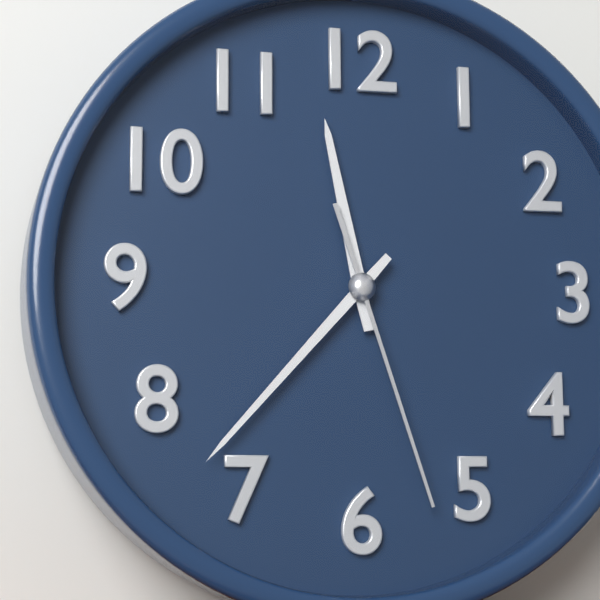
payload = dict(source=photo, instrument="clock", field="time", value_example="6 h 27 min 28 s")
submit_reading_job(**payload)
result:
11 h 37 min 27 s
